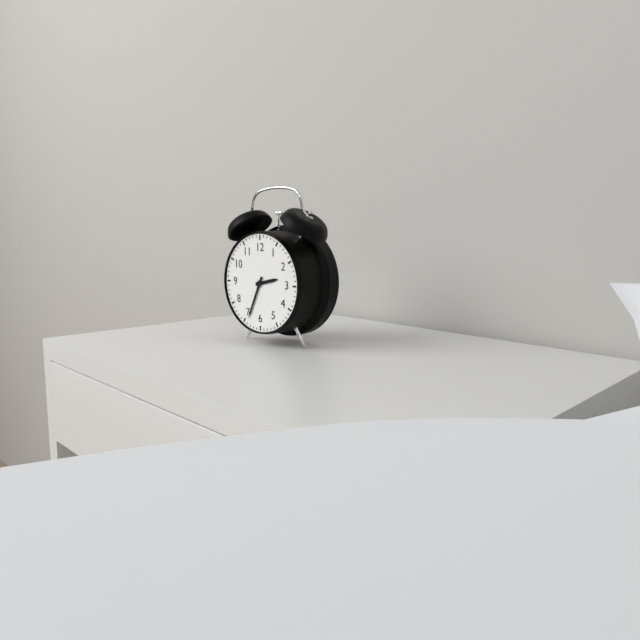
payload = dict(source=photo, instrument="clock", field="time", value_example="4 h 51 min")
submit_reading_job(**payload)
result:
2 h 34 min
